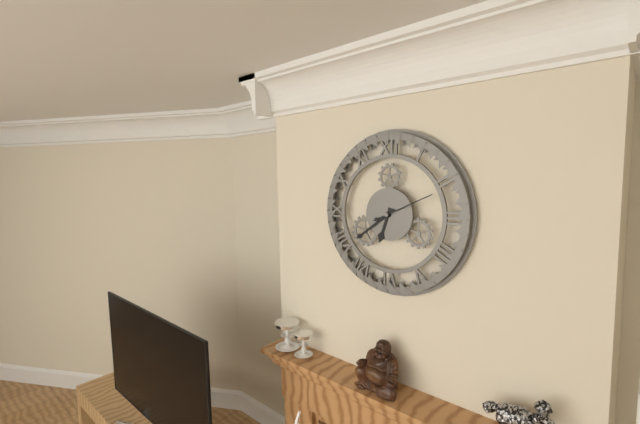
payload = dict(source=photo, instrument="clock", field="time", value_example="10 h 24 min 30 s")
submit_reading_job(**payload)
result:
6 h 39 min 11 s
